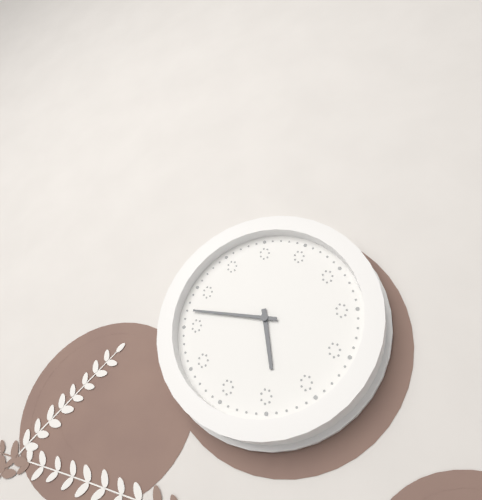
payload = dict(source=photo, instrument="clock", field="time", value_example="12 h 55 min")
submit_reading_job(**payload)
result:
5 h 47 min
